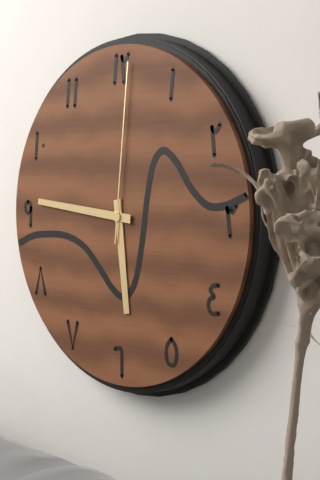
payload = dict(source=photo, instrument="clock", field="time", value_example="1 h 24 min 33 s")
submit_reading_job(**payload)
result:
5 h 46 min 01 s
